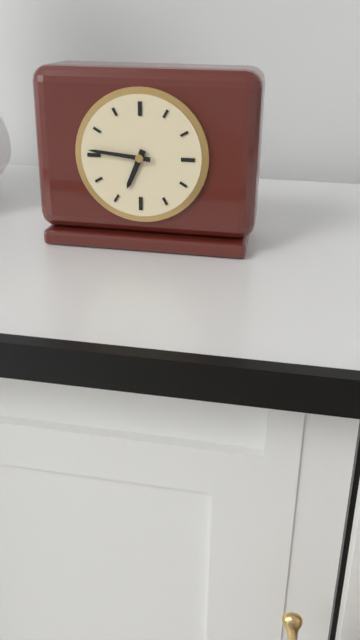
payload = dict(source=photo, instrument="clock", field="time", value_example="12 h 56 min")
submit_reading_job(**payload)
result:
6 h 46 min
